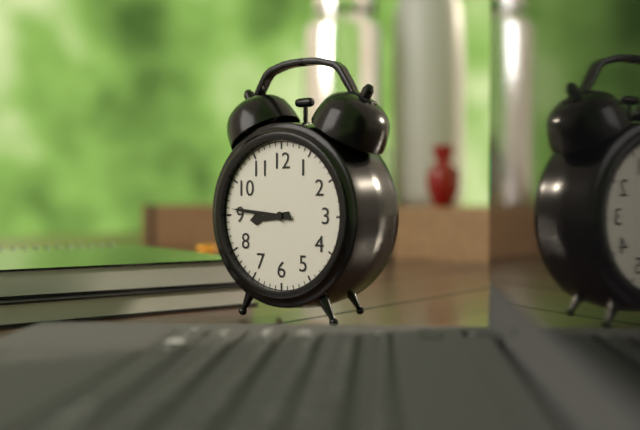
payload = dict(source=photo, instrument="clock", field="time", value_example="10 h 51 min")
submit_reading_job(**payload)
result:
8 h 46 min
